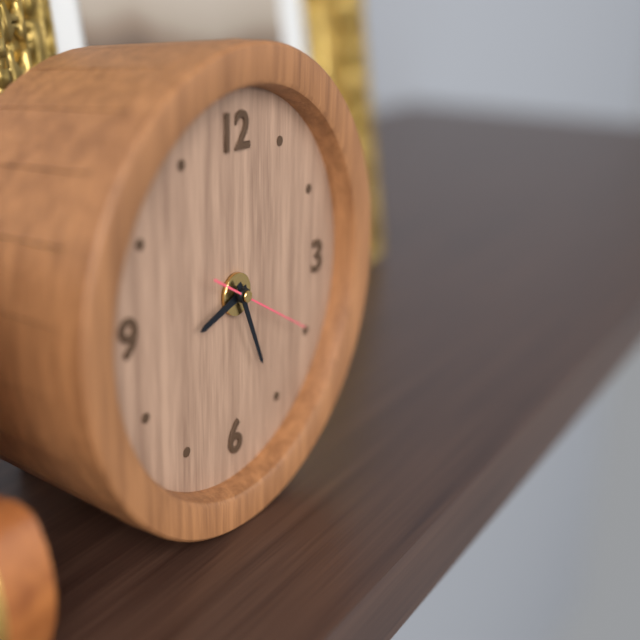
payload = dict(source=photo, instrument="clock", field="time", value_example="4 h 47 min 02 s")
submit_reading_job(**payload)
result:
8 h 26 min 20 s
